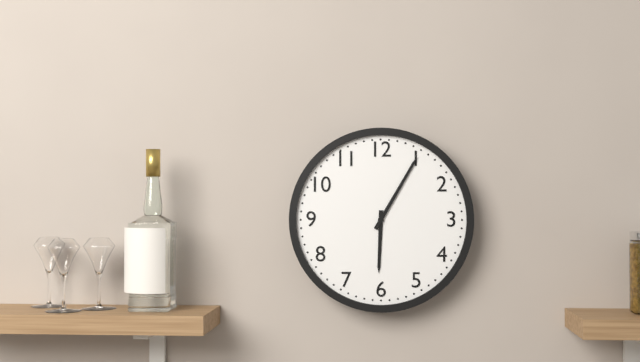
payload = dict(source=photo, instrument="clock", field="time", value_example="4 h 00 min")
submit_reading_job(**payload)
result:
6 h 05 min
